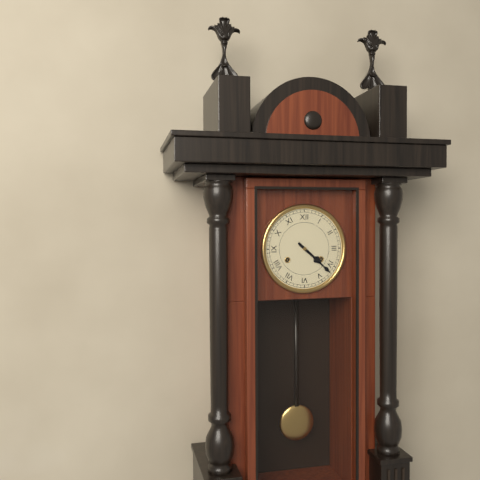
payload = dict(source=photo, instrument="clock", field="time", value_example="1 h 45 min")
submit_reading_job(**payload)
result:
4 h 22 min
